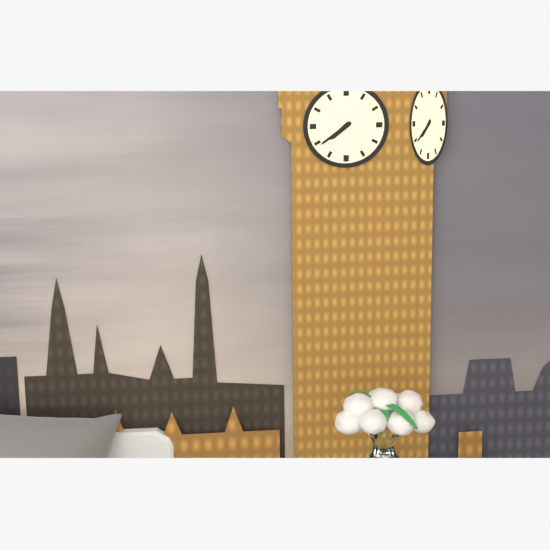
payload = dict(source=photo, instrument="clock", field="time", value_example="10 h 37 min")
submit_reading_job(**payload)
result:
7 h 39 min
